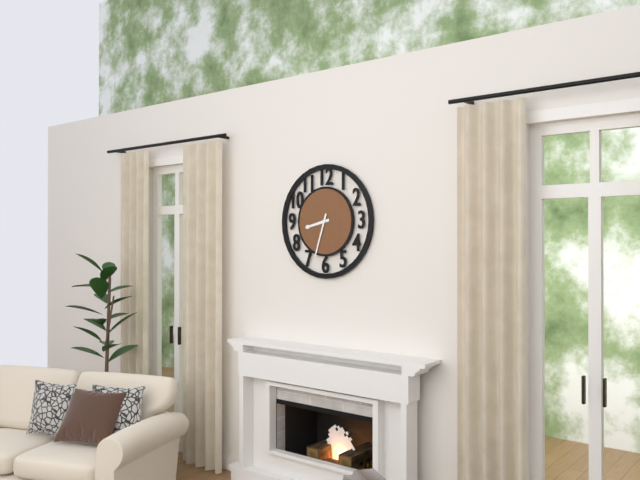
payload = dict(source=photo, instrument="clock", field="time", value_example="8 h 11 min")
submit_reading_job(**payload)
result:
8 h 33 min
